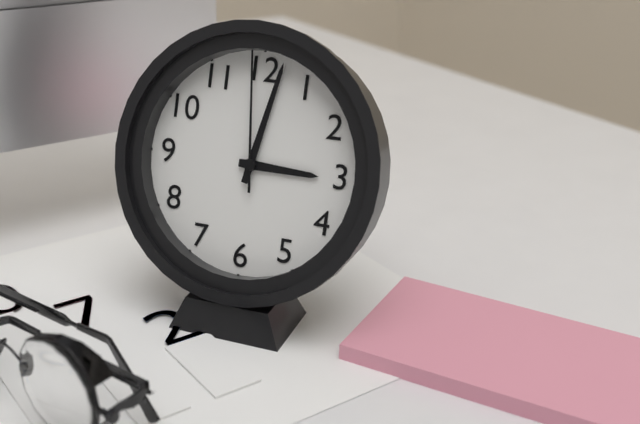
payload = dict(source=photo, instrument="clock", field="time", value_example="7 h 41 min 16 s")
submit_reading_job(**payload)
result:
3 h 02 min 59 s
